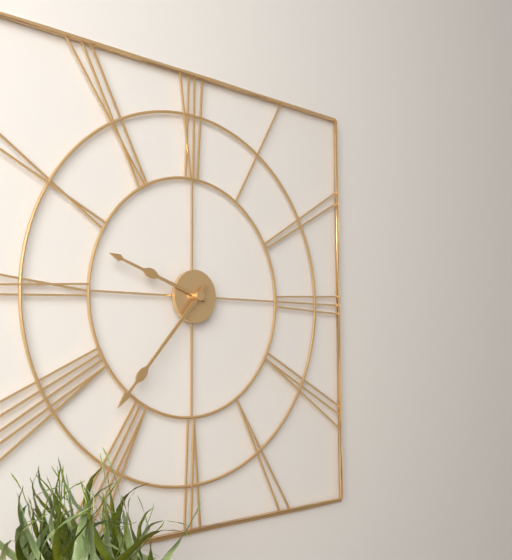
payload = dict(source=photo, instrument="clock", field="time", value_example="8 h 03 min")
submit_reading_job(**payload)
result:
9 h 37 min
